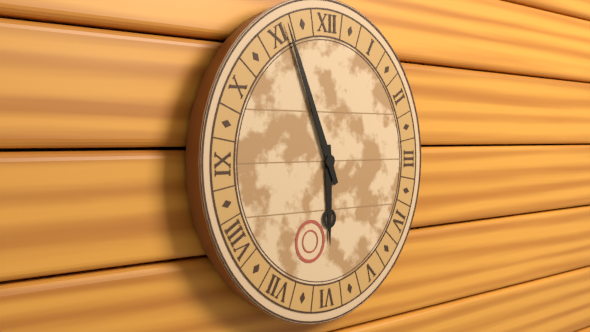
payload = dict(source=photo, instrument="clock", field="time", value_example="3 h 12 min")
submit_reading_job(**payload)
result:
5 h 56 min
